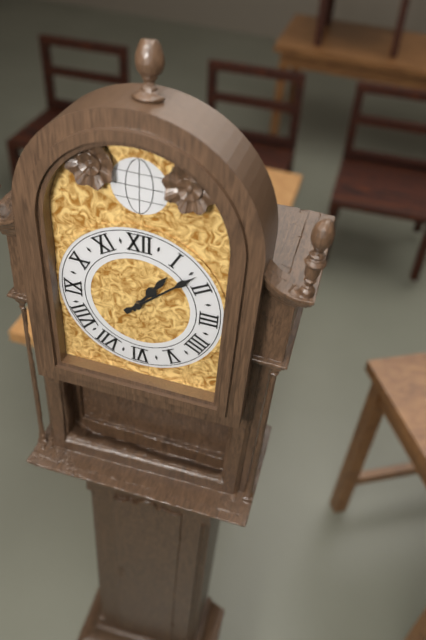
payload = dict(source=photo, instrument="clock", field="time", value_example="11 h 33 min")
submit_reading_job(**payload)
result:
1 h 08 min
